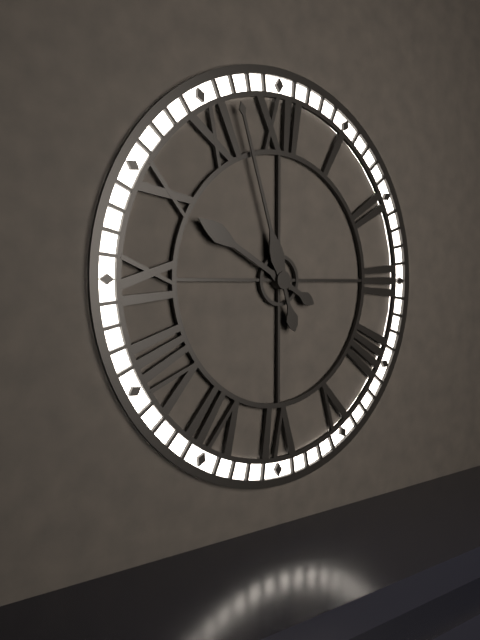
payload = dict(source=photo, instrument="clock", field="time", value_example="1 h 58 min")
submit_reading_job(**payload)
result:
9 h 57 min
